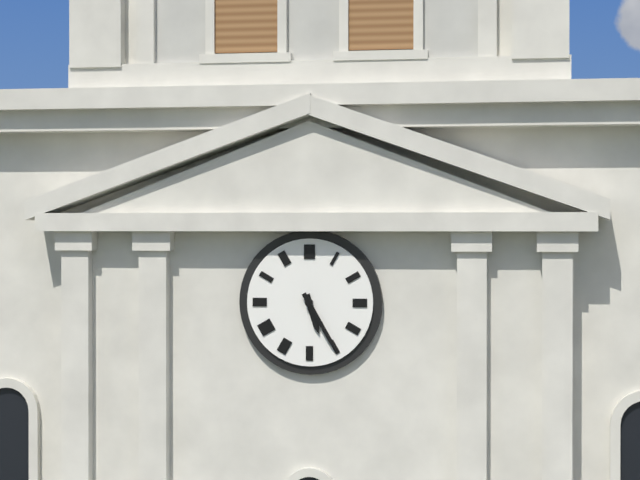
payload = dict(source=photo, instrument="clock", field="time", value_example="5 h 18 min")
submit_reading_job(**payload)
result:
5 h 25 min
